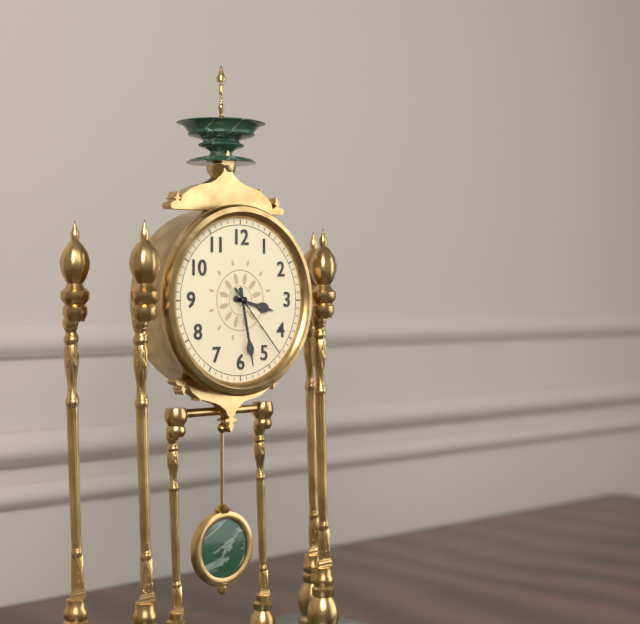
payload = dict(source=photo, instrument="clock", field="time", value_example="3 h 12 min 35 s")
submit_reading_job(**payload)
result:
3 h 28 min 23 s
